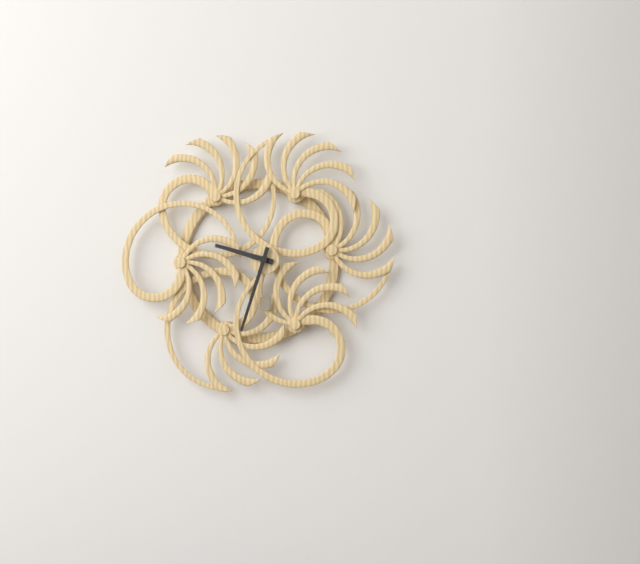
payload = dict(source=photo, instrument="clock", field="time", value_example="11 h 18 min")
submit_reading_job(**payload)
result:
9 h 33 min
